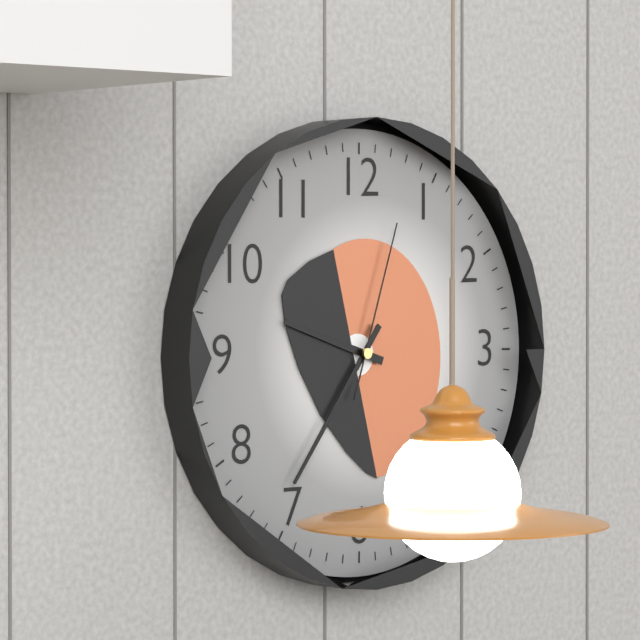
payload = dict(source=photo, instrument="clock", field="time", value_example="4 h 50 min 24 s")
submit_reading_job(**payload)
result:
9 h 36 min 03 s
